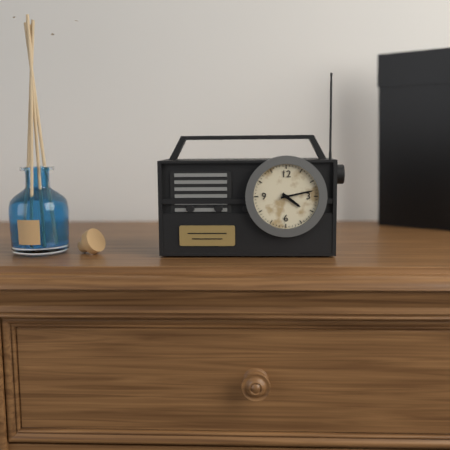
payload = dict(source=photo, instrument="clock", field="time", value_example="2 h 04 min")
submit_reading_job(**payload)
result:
4 h 13 min
